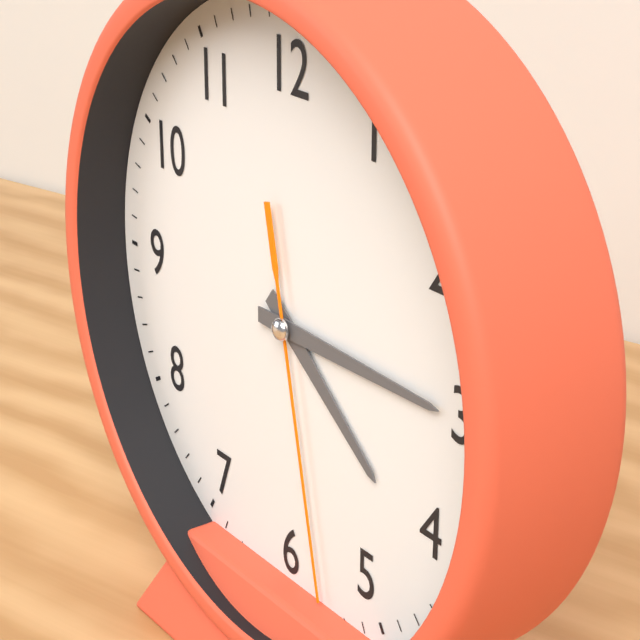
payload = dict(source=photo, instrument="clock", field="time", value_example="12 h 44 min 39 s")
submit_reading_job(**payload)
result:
4 h 15 min 28 s
